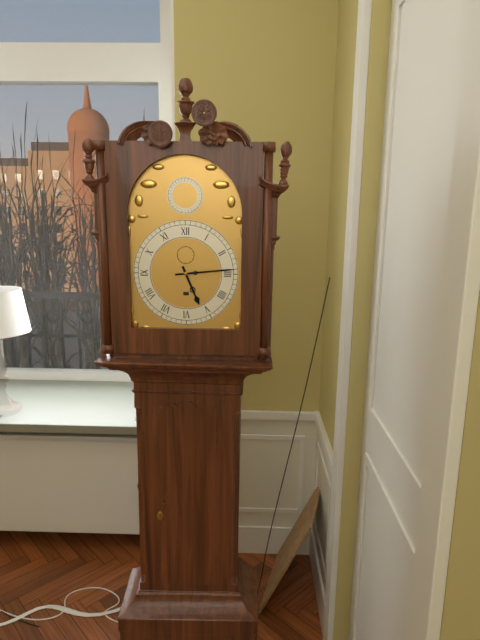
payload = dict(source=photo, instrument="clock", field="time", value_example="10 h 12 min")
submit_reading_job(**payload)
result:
5 h 14 min
